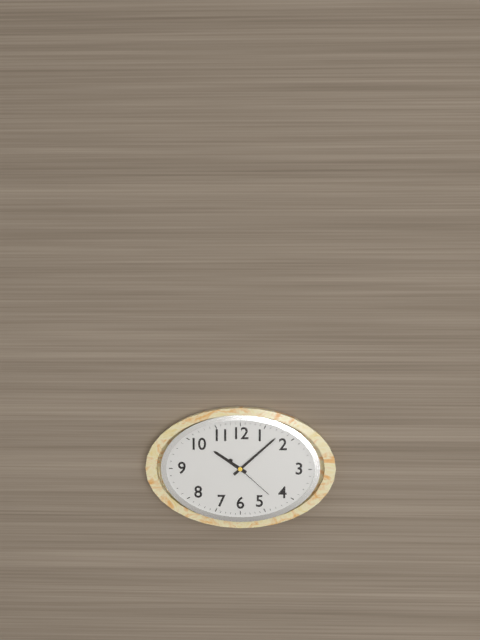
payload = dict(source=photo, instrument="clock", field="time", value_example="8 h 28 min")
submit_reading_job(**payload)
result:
10 h 08 min
